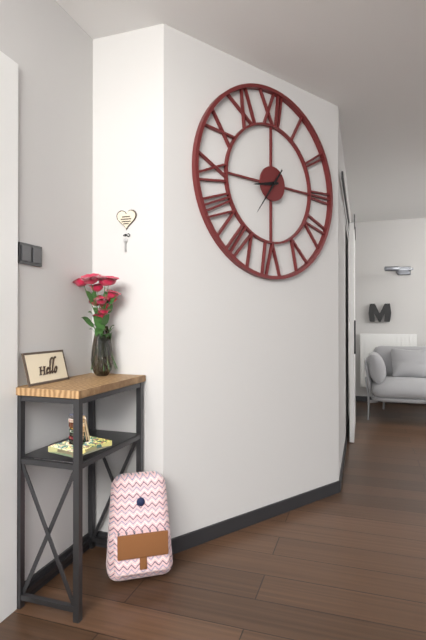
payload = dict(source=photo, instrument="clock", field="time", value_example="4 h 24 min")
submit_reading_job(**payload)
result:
8 h 36 min
